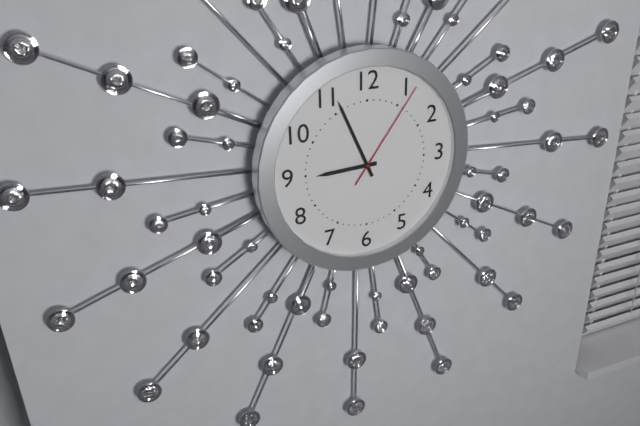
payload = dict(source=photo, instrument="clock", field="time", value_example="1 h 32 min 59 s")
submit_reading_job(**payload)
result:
8 h 56 min 06 s
